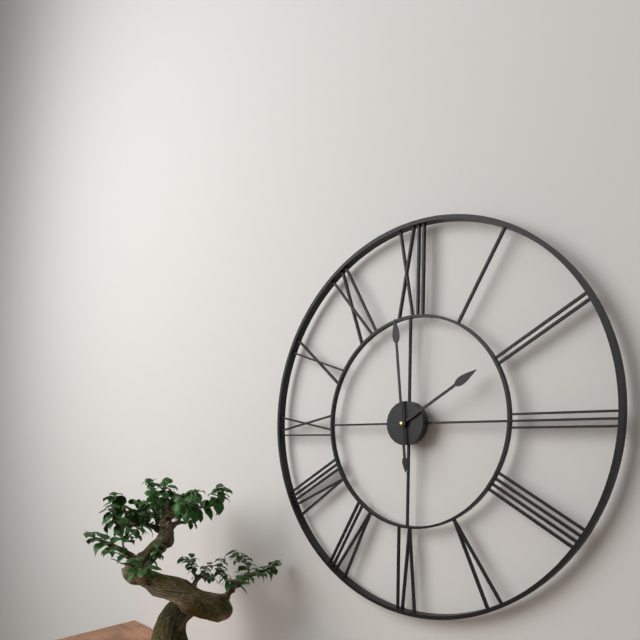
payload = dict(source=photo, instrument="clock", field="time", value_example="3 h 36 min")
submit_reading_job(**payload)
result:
1 h 59 min
